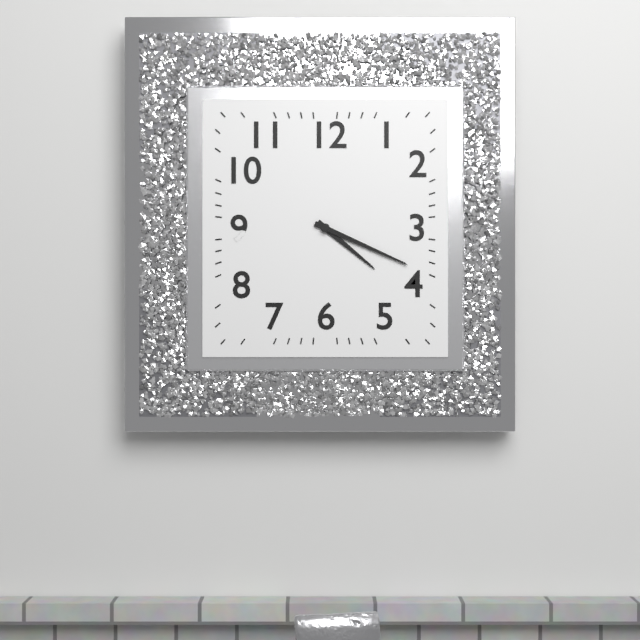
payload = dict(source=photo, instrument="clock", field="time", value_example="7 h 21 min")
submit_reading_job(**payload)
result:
4 h 19 min
